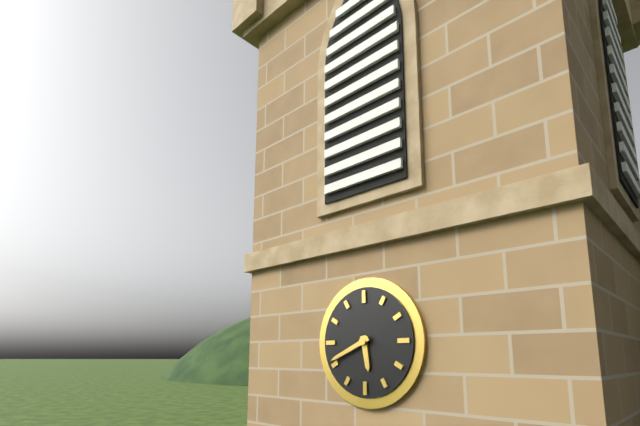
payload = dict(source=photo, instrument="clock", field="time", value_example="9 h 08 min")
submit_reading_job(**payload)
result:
5 h 41 min
